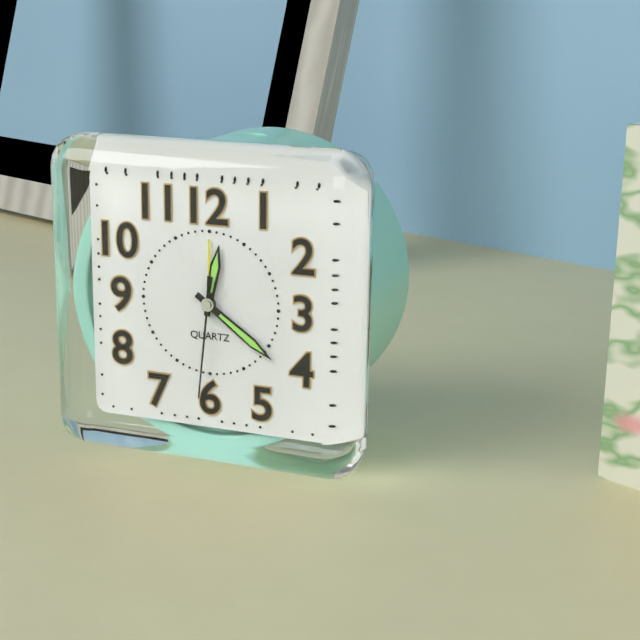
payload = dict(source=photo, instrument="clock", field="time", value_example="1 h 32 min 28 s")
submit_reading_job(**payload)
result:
12 h 21 min 31 s
